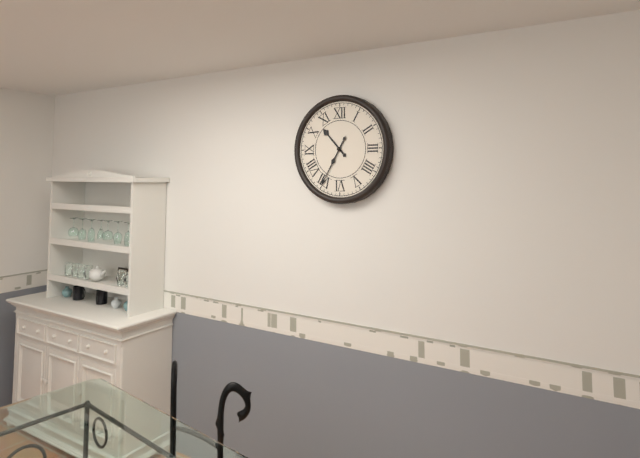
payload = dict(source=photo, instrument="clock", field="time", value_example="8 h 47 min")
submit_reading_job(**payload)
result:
10 h 35 min
